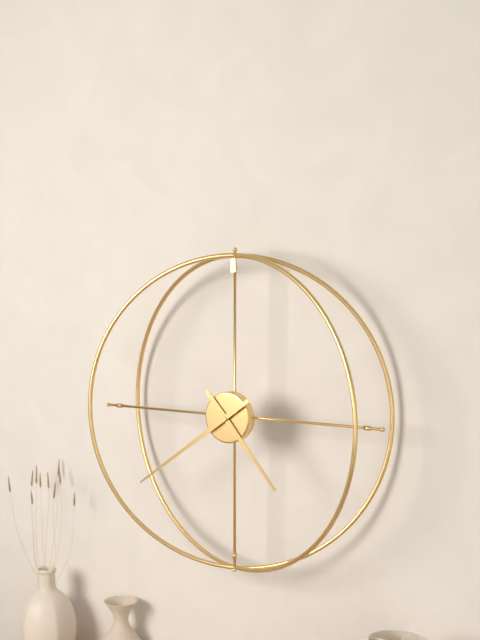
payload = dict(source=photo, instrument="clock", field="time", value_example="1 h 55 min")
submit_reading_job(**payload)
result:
4 h 39 min
